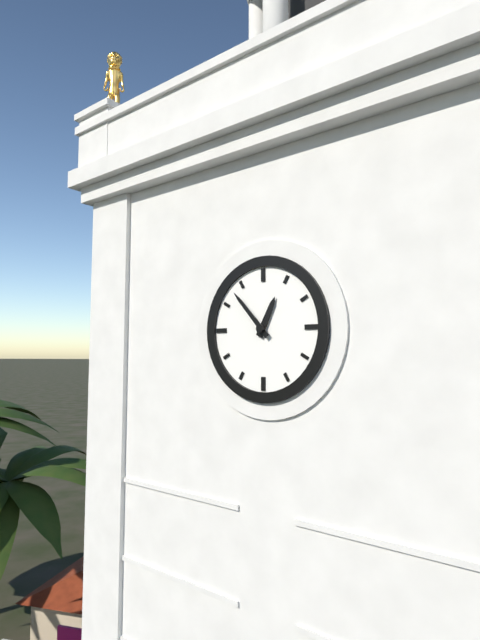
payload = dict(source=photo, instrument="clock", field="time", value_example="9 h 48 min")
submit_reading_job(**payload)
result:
12 h 53 min
